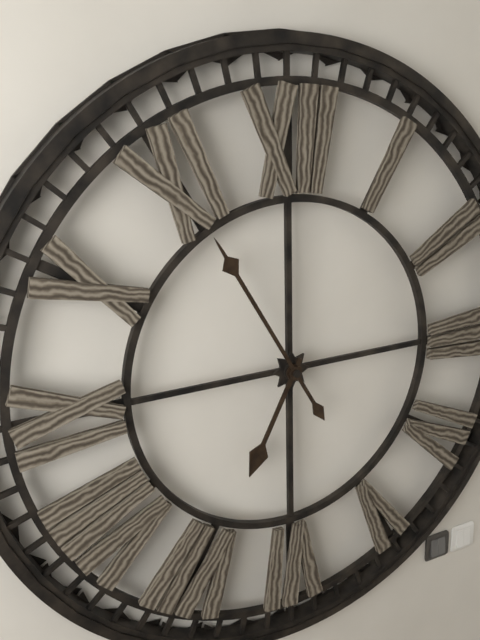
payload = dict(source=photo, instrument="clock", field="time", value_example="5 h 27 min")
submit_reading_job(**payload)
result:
6 h 55 min
